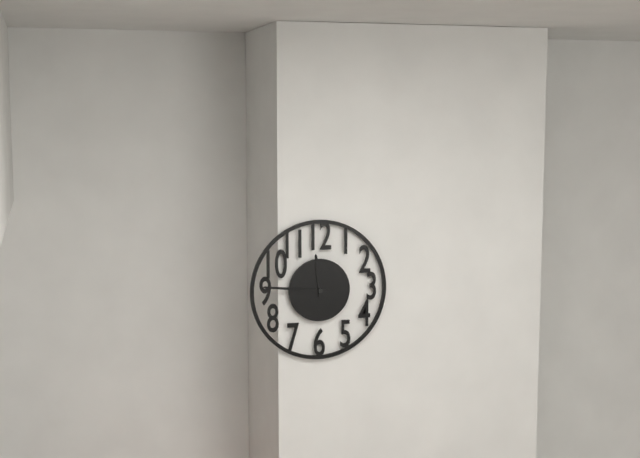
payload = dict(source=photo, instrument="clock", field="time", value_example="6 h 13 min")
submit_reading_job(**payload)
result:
11 h 46 min
